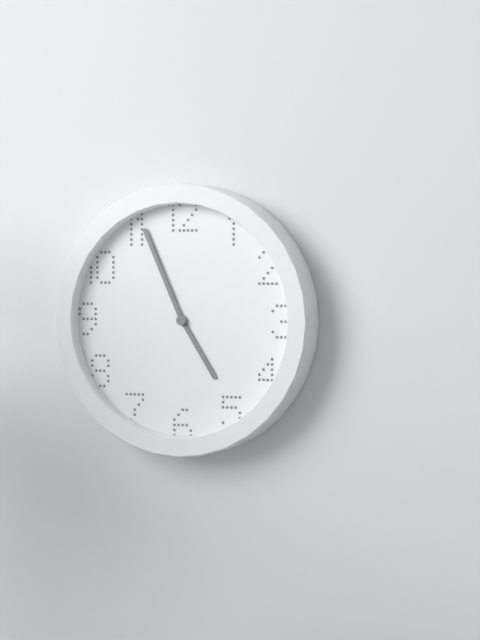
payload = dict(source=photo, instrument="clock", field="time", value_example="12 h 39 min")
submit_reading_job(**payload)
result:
4 h 56 min
